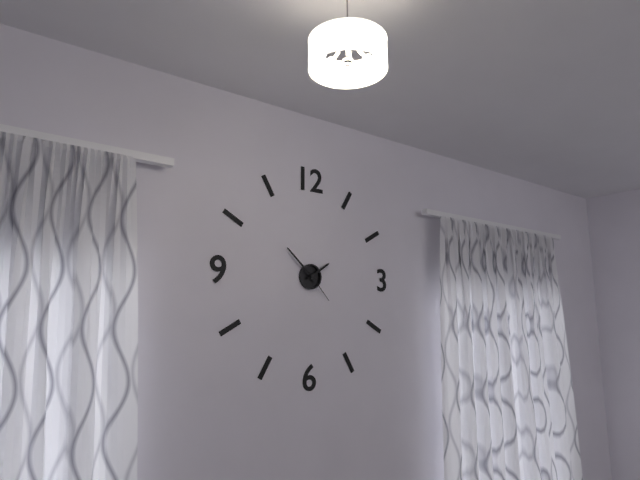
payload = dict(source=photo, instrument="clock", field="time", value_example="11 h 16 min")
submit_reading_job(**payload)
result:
1 h 52 min
